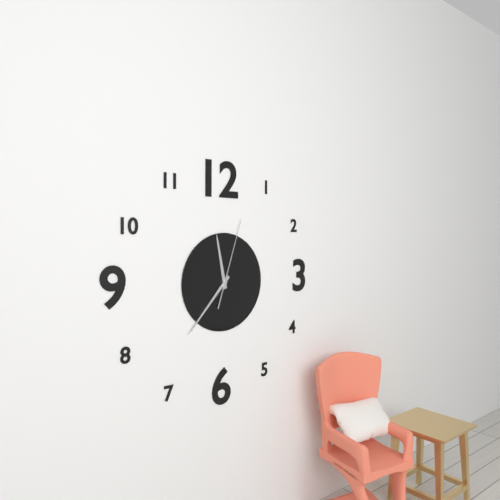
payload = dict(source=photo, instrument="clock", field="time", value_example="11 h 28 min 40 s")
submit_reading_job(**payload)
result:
11 h 37 min 03 s
